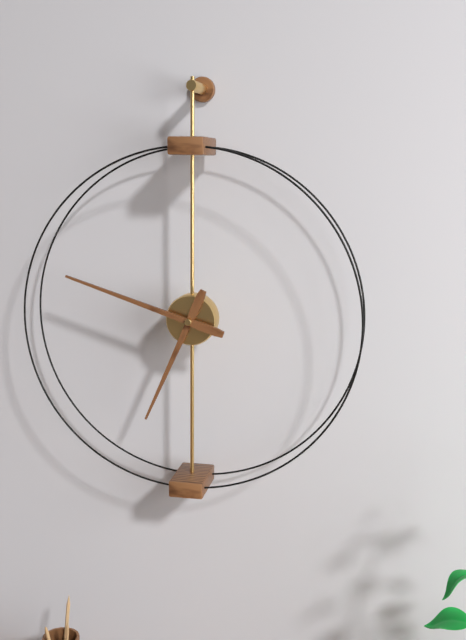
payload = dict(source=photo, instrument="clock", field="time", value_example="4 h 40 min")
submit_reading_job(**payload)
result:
6 h 48 min
